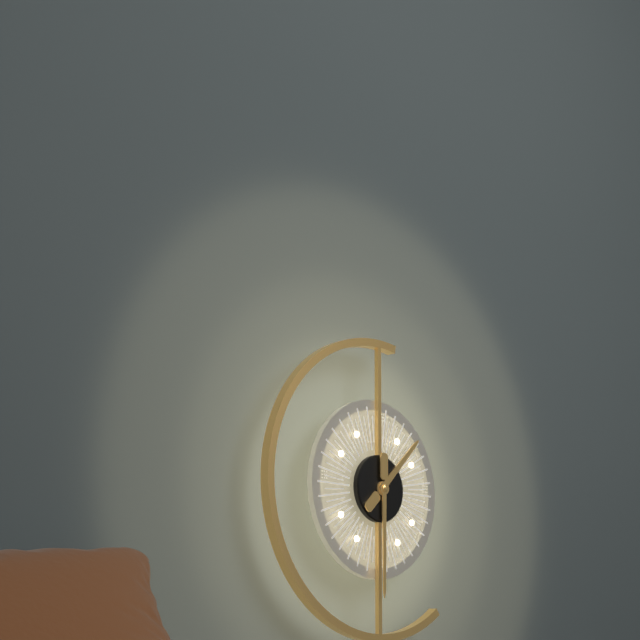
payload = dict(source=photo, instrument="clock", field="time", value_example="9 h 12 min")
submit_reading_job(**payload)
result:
1 h 30 min
